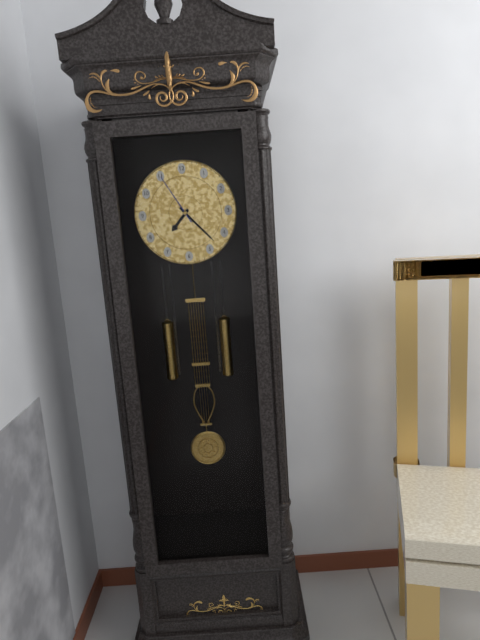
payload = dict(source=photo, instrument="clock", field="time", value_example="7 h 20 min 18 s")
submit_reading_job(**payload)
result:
7 h 23 min 55 s
